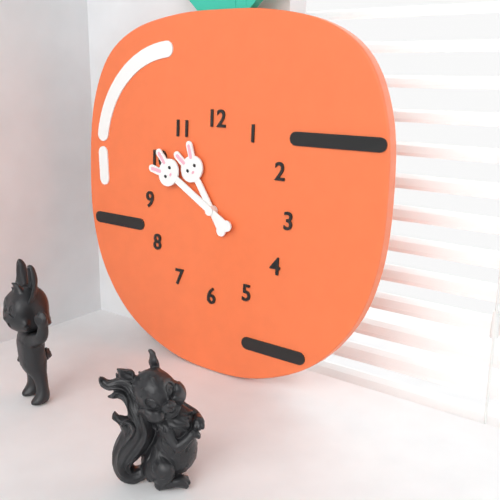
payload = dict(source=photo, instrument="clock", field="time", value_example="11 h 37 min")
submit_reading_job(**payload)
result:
10 h 50 min
